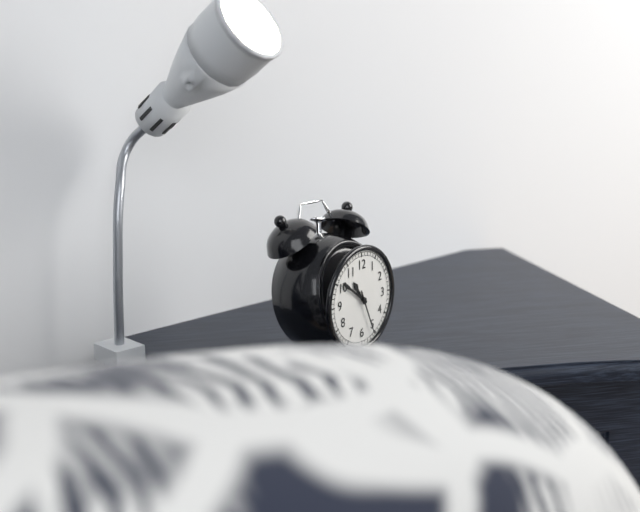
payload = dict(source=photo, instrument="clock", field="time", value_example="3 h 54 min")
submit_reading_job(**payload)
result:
10 h 51 min
